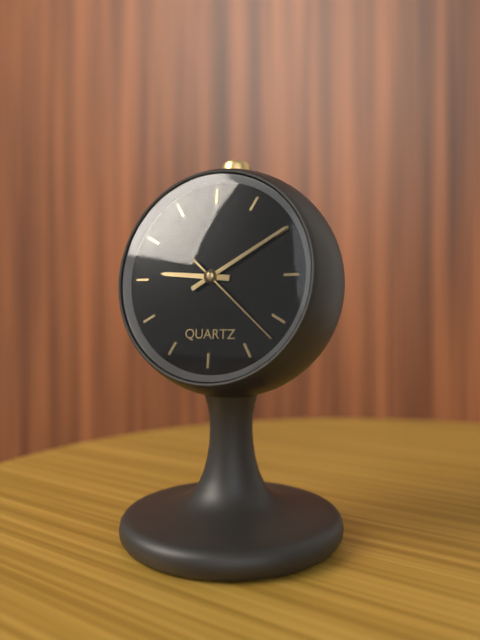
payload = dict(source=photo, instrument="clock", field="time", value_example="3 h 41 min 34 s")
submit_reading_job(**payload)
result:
9 h 10 min 22 s
